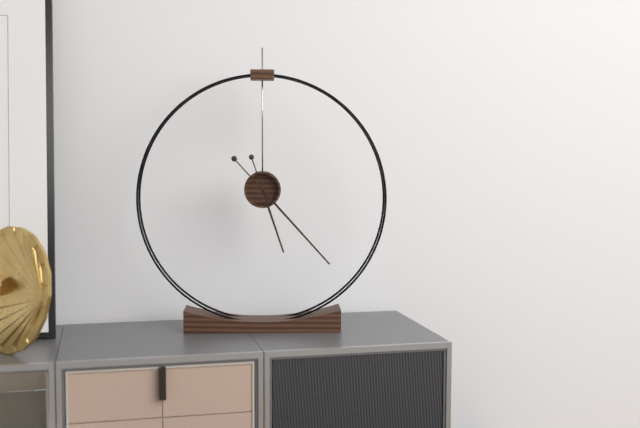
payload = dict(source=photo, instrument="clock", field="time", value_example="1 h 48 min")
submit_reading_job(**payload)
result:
5 h 23 min
